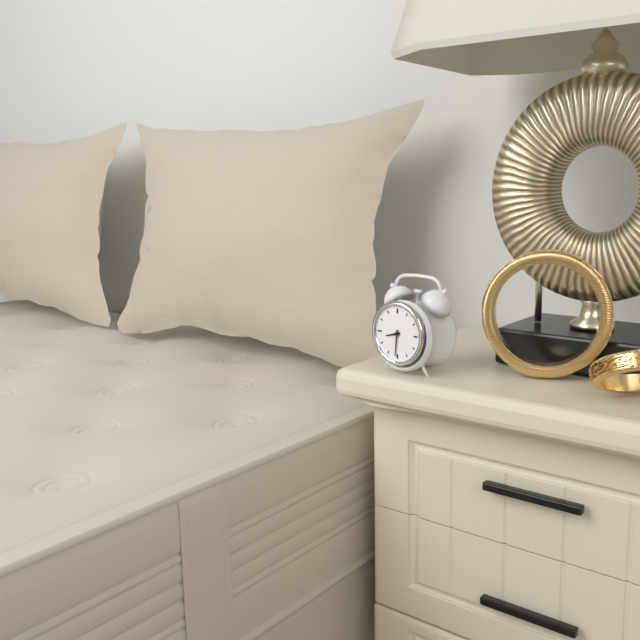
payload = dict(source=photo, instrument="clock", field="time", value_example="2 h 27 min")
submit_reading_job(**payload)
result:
8 h 31 min
